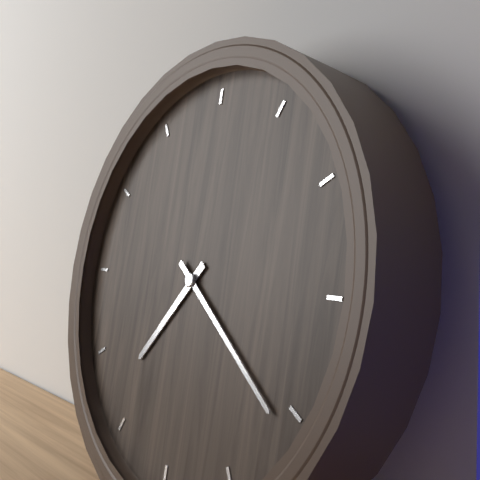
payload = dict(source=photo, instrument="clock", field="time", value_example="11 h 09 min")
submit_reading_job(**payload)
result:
7 h 21 min
